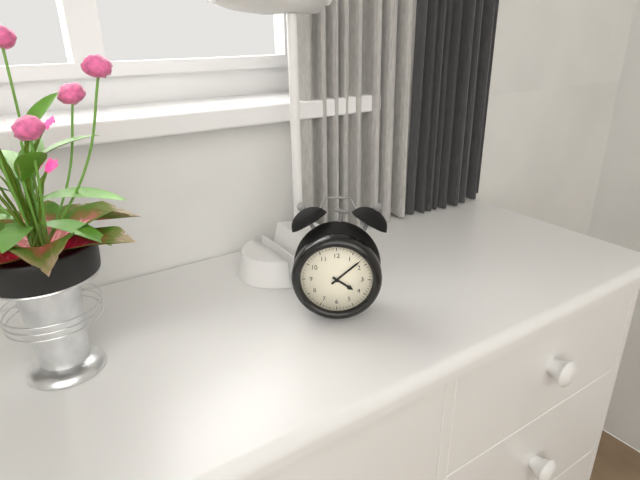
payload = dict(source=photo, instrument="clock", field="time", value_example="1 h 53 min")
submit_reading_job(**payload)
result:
4 h 08 min
